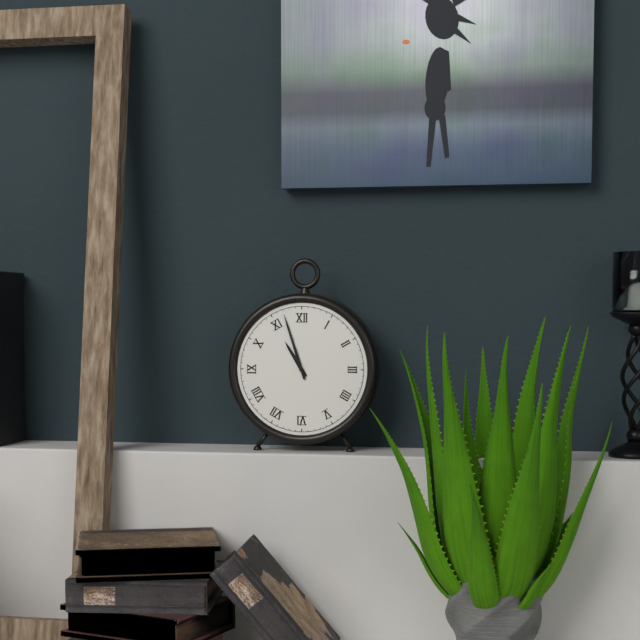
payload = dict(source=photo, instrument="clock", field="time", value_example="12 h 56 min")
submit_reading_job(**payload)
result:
10 h 57 min
